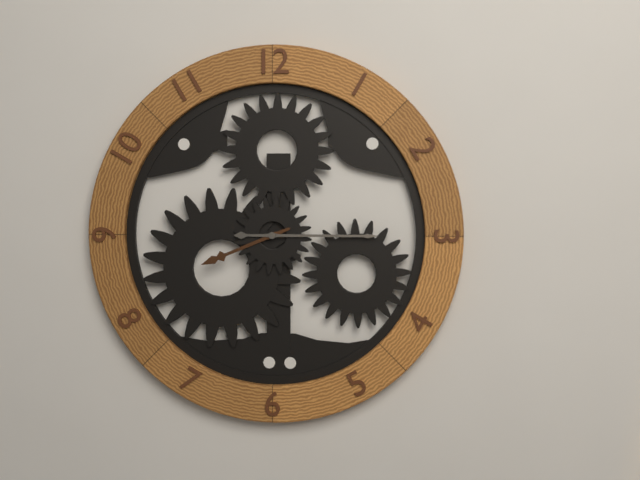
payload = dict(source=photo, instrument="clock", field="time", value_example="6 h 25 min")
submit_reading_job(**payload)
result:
8 h 15 min
